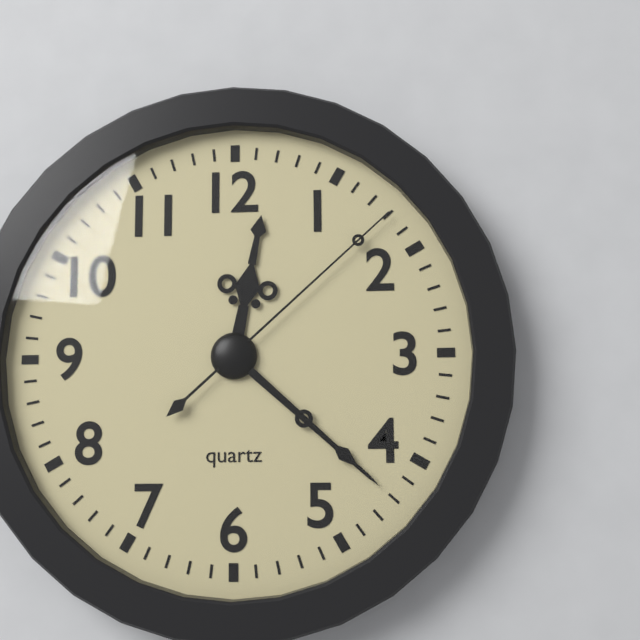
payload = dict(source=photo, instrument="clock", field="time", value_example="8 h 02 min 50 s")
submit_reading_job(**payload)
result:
12 h 22 min 08 s
